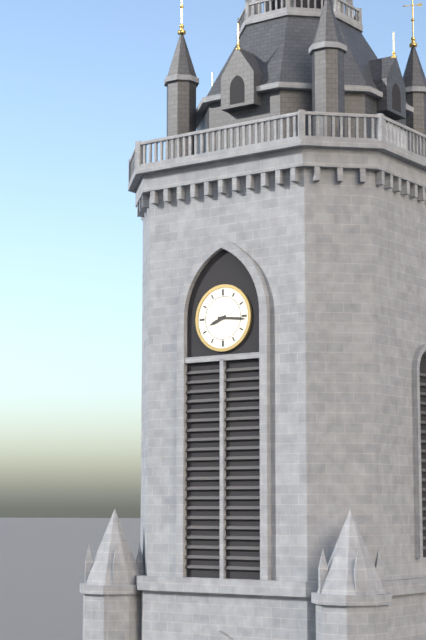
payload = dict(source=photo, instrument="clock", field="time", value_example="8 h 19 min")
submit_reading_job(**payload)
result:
8 h 16 min
